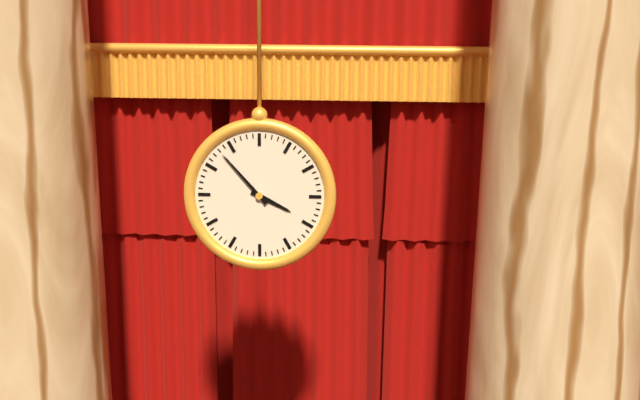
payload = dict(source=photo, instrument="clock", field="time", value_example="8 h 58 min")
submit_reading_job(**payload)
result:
3 h 53 min
